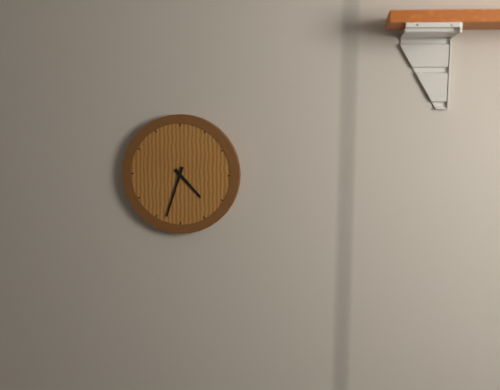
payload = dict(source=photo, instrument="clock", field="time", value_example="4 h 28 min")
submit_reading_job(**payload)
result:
4 h 33 min
